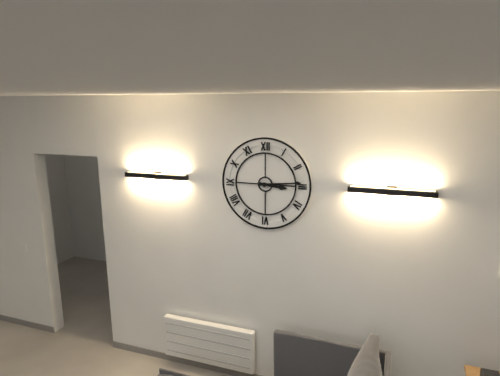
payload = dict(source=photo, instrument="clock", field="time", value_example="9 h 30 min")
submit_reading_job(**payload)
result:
3 h 14 min
